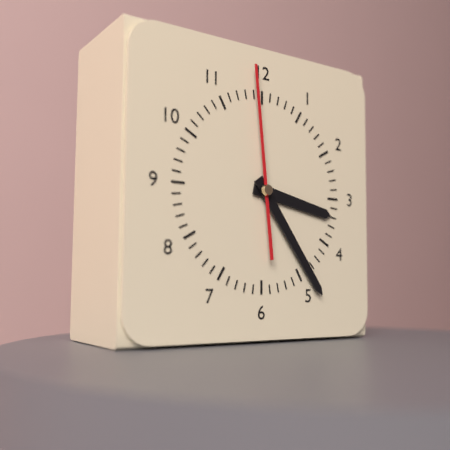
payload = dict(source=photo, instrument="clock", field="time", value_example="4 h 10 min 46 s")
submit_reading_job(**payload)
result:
3 h 24 min 59 s
